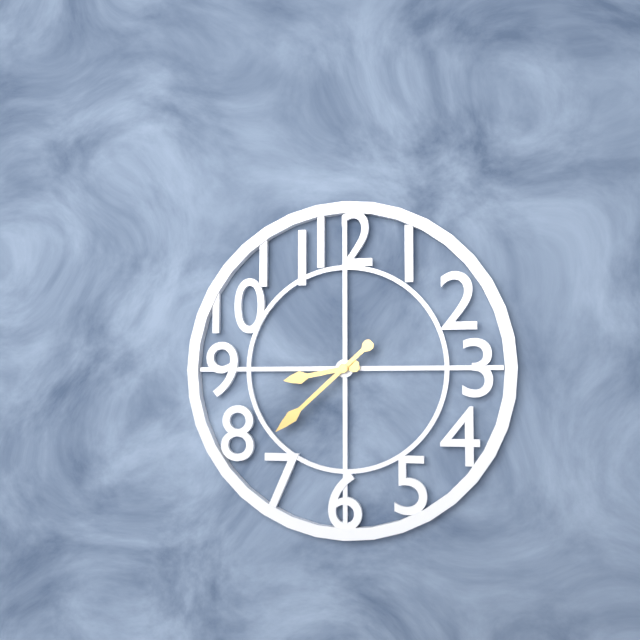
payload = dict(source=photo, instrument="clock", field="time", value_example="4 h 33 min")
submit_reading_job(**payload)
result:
8 h 38 min
